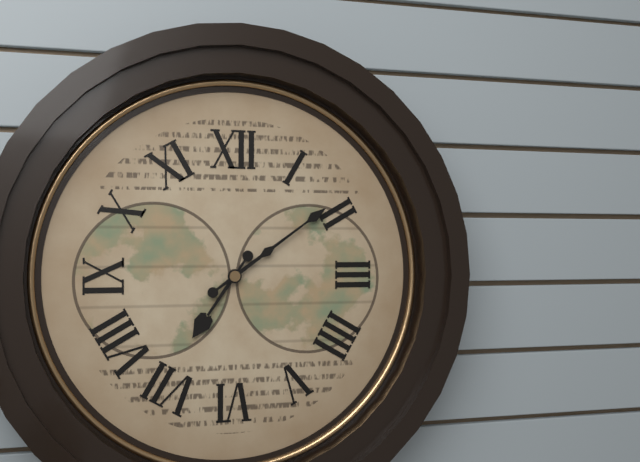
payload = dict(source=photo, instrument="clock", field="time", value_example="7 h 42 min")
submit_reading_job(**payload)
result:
7 h 09 min
